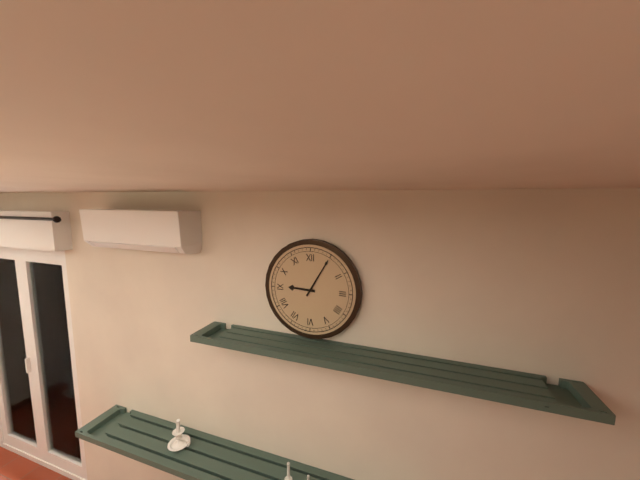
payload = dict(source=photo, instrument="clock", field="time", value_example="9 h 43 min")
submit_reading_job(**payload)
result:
9 h 05 min
